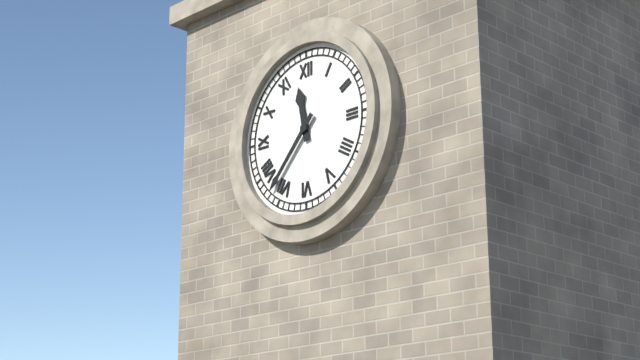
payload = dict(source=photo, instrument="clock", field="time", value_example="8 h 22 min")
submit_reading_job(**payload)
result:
11 h 37 min
